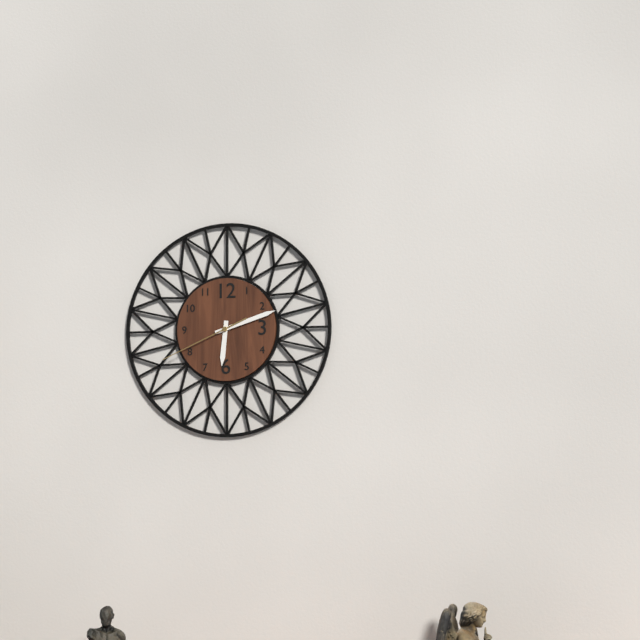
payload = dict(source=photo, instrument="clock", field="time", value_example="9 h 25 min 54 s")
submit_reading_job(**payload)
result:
6 h 12 min 41 s
